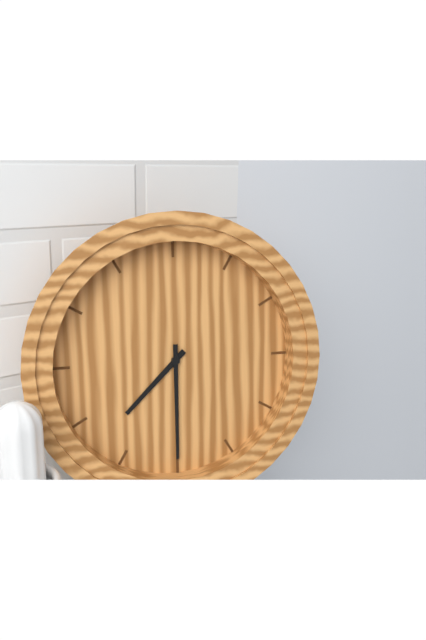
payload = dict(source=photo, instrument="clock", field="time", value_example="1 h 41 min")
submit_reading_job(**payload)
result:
7 h 30 min
